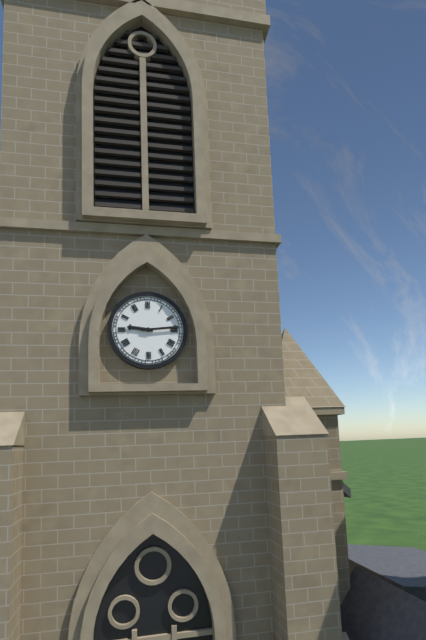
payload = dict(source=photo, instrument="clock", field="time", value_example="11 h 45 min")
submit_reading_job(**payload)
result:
9 h 14 min
